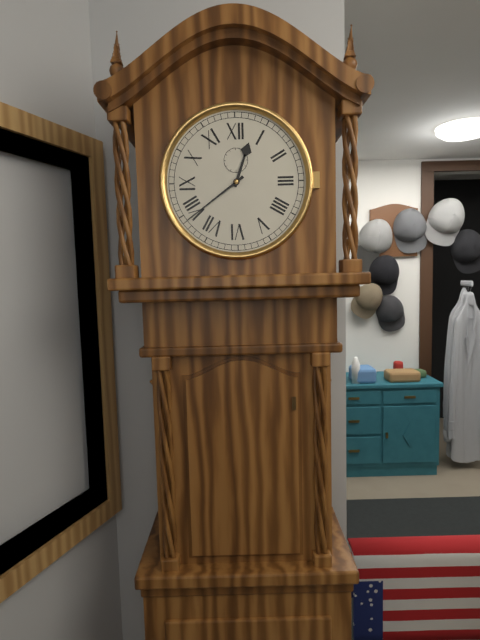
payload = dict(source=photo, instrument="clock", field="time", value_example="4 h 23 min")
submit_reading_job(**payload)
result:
12 h 39 min
